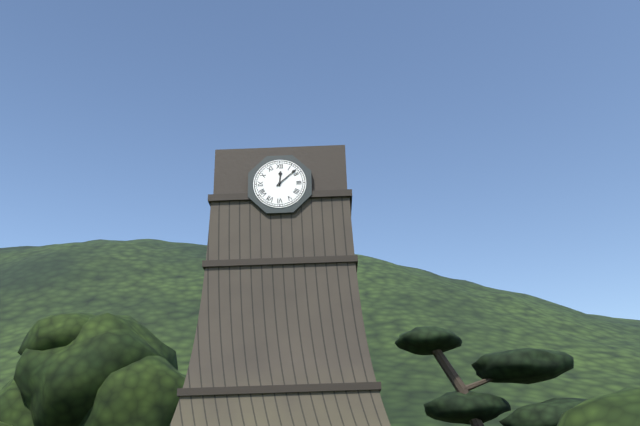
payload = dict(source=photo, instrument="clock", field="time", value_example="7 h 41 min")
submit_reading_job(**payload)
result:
12 h 08 min
